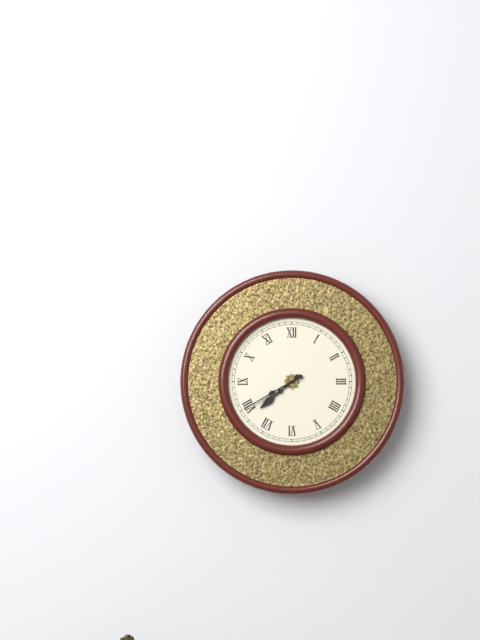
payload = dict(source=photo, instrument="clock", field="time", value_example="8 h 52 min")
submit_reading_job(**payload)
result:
7 h 40 min
